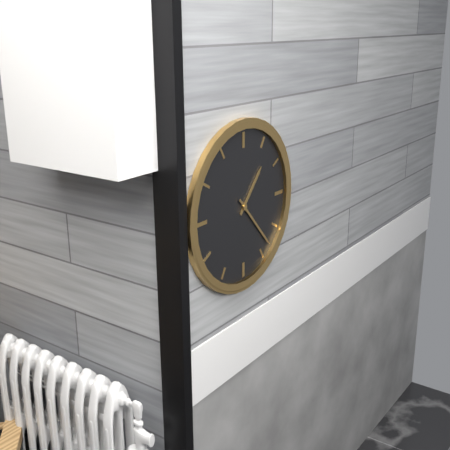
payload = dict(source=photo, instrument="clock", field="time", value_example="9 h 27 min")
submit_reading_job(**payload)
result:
1 h 23 min
